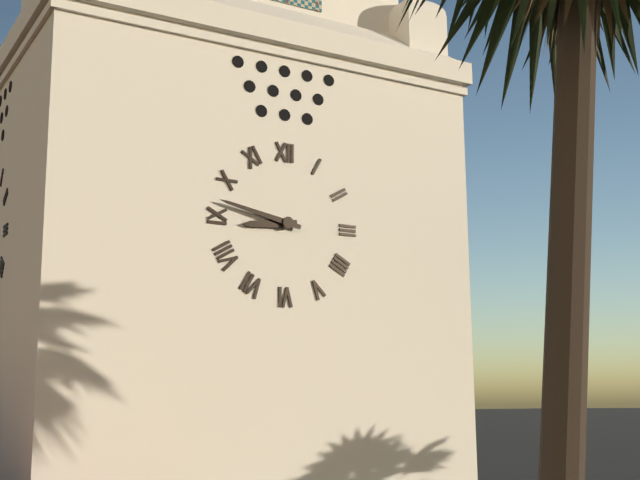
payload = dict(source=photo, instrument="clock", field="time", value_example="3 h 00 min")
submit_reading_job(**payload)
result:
8 h 47 min
